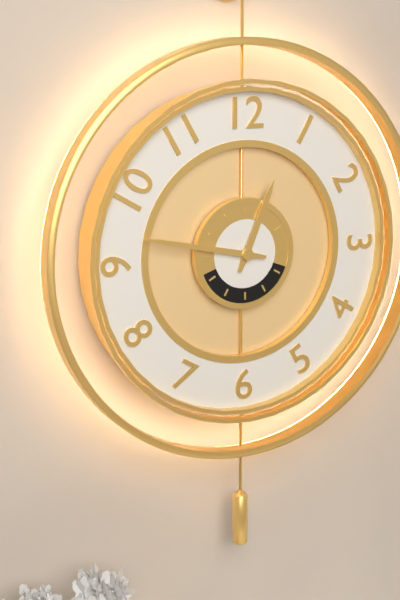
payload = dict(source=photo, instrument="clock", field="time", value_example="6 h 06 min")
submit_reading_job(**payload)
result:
12 h 47 min
